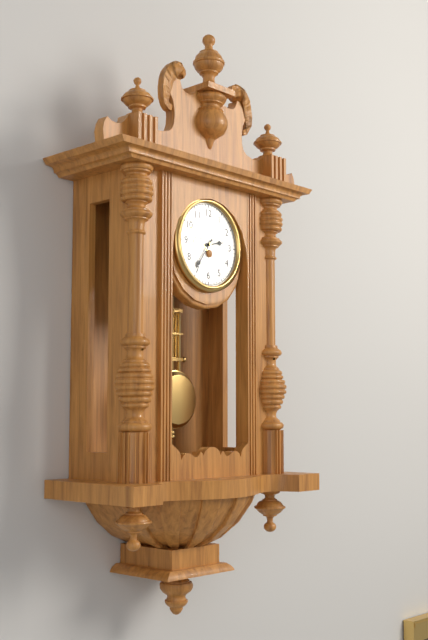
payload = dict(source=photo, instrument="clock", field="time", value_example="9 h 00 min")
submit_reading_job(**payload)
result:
2 h 36 min
